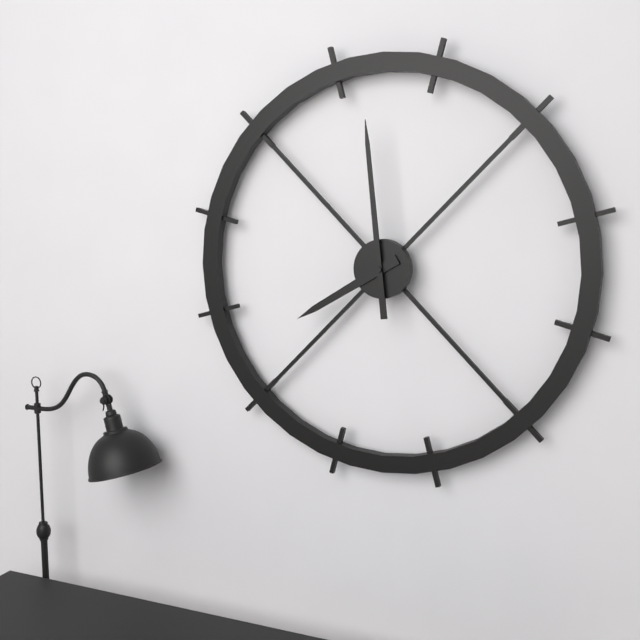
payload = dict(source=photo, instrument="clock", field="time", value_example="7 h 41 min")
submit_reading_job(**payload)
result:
7 h 59 min
